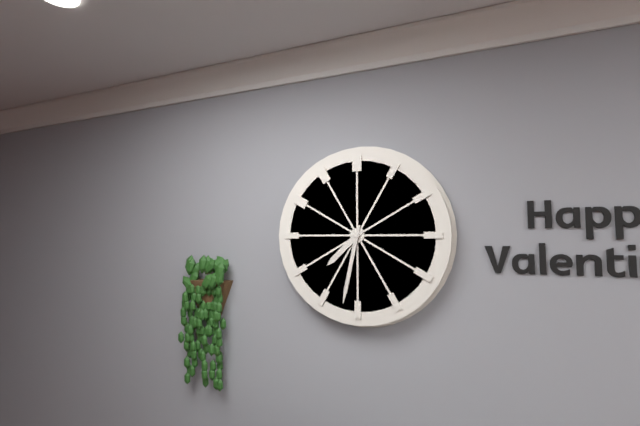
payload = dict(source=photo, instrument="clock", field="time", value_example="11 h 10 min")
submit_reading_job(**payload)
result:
7 h 32 min
